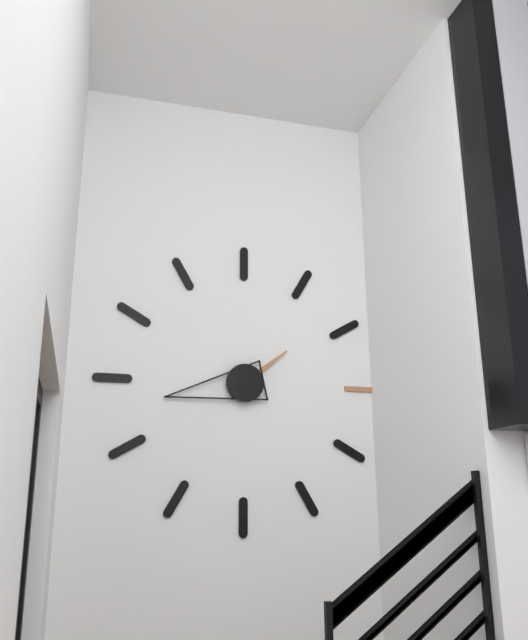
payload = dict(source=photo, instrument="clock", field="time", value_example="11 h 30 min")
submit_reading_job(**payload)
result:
1 h 43 min
